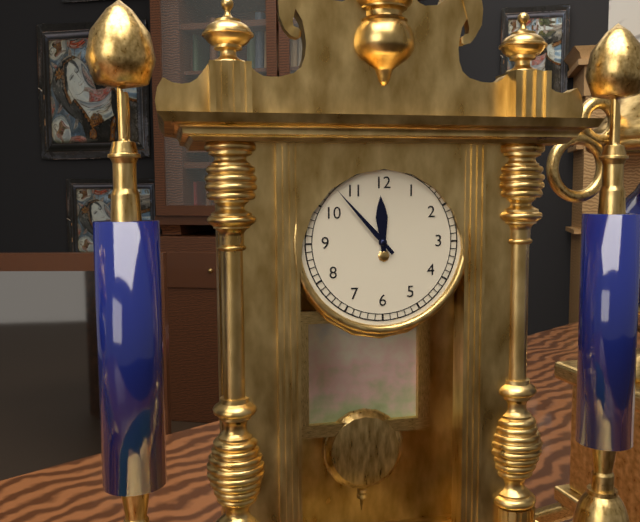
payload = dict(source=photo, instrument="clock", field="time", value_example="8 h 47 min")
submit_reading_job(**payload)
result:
11 h 53 min
